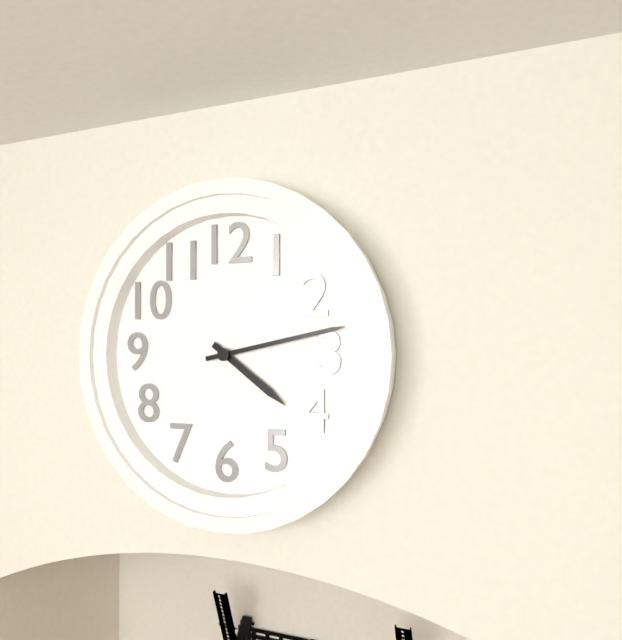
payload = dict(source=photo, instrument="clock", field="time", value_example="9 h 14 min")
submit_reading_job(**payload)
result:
4 h 13 min
